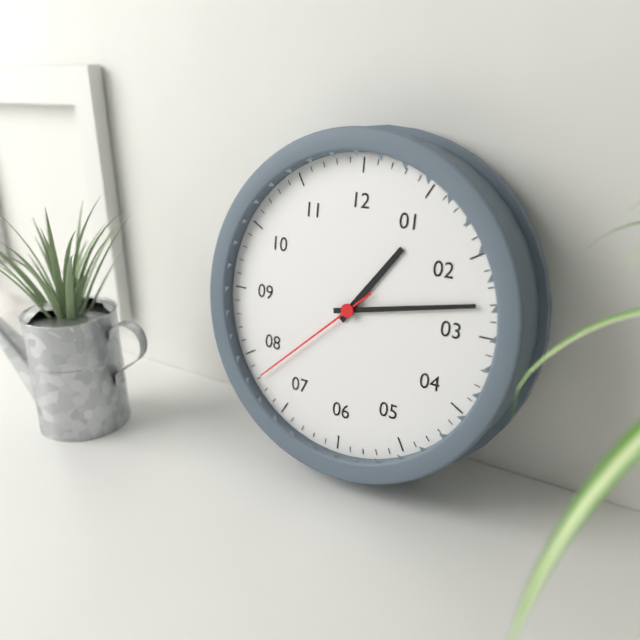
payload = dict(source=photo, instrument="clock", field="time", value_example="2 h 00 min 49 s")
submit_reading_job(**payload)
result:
1 h 13 min 38 s
